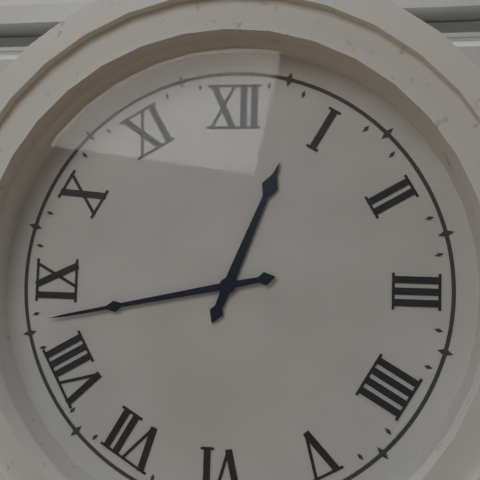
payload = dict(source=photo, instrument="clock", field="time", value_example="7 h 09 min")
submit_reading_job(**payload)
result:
12 h 43 min
